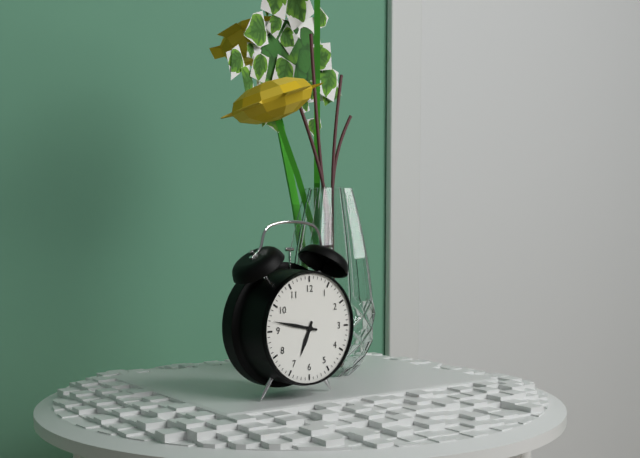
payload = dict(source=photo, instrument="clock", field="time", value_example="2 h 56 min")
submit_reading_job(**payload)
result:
6 h 47 min
